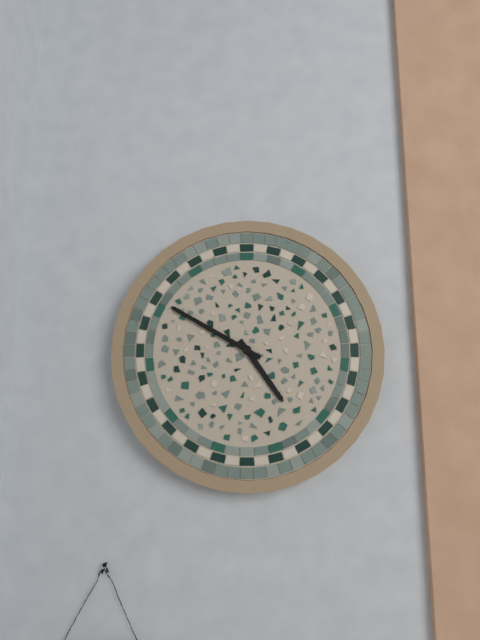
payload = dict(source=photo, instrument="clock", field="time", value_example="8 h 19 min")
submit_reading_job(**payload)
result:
4 h 50 min
